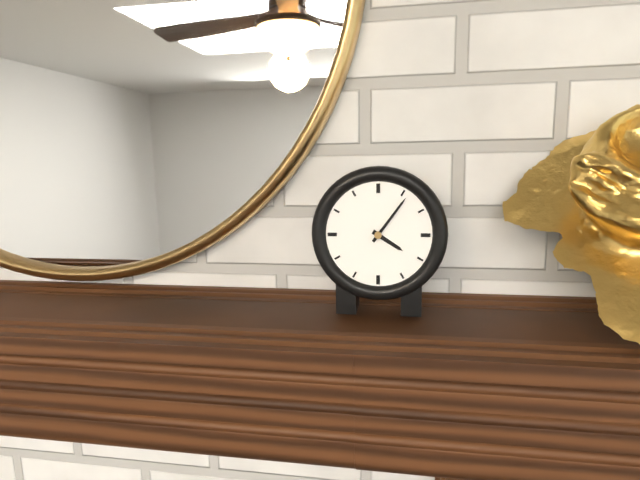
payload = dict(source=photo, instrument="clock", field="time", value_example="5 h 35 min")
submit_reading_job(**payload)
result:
4 h 06 min
